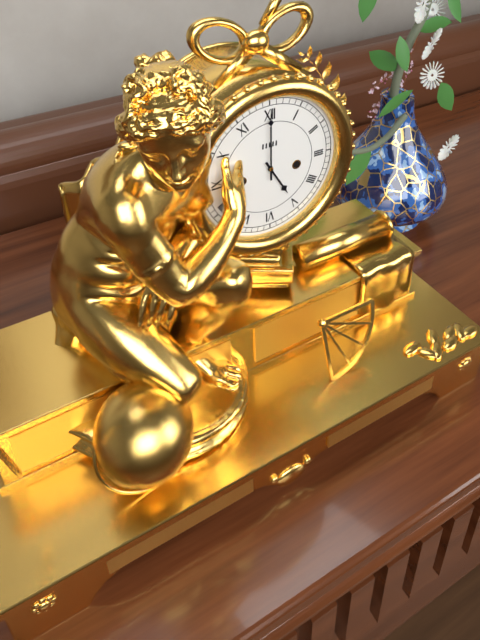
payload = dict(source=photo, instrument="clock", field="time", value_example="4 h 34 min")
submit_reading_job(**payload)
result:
5 h 00 min
